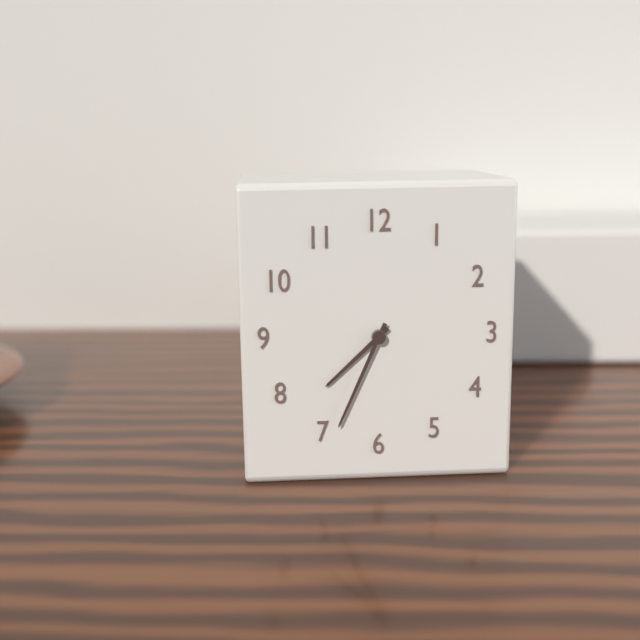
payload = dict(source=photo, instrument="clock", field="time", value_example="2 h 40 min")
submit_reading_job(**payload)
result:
7 h 34 min
